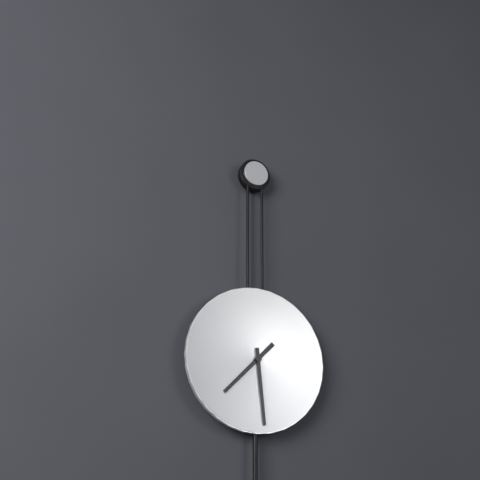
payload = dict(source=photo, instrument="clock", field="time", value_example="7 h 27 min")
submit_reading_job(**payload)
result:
7 h 29 min
